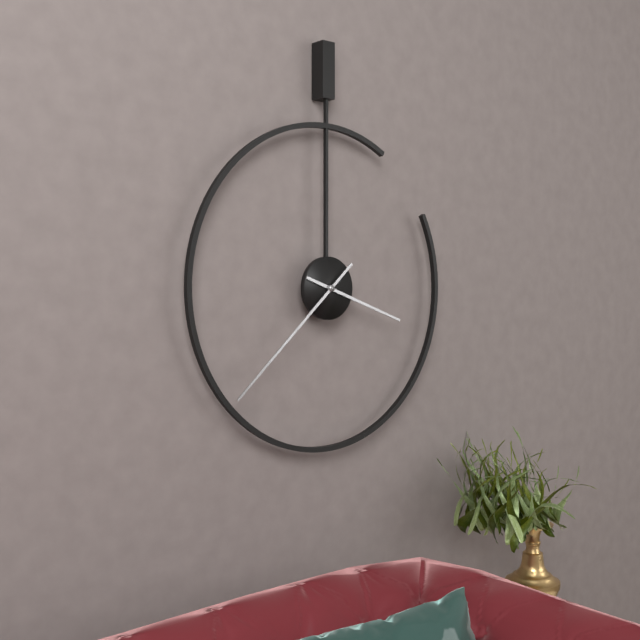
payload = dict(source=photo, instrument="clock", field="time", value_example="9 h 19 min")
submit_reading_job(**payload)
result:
3 h 38 min
